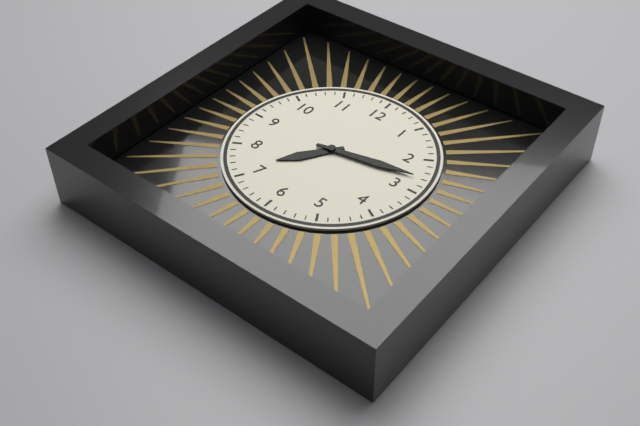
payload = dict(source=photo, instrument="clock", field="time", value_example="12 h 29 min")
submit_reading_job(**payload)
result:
7 h 13 min
